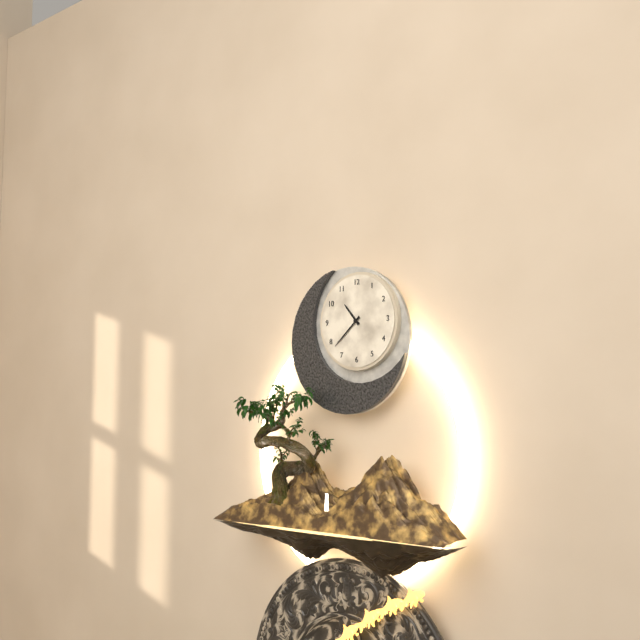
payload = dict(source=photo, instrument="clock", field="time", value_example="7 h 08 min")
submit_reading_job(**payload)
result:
10 h 38 min
